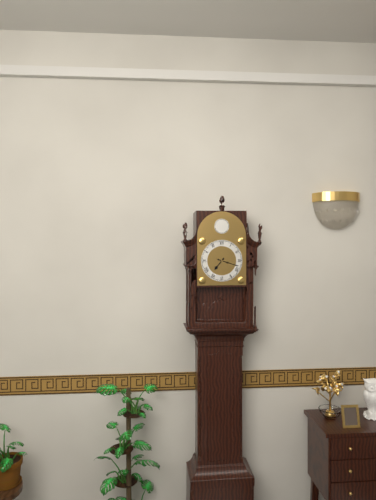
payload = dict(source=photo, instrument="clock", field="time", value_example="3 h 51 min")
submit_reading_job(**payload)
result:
7 h 18 min
